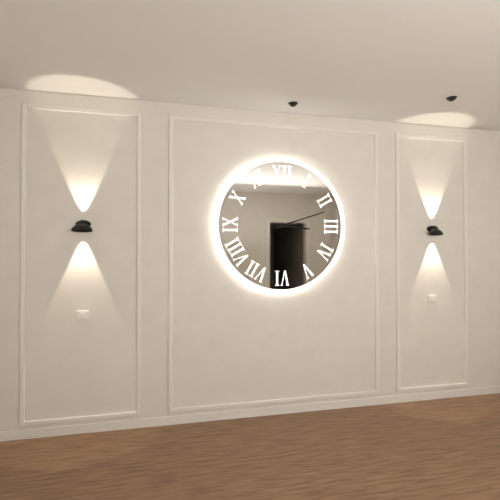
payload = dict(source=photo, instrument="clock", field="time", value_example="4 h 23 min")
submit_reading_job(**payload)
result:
3 h 12 min
